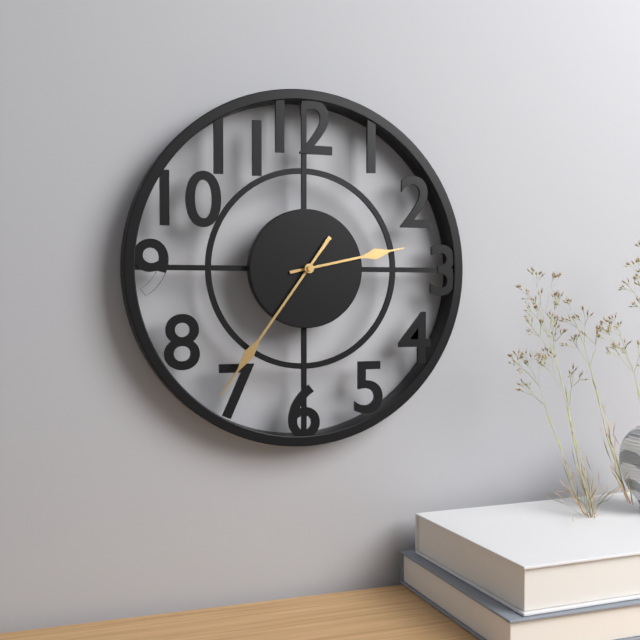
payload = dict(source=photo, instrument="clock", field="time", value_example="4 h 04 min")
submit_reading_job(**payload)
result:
2 h 36 min
